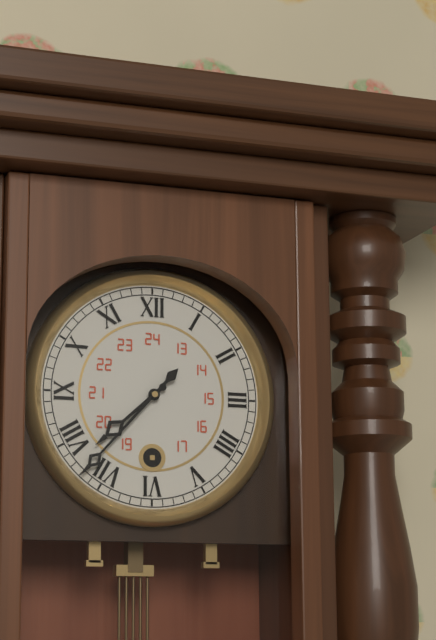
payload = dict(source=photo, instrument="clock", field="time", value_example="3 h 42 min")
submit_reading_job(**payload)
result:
7 h 37 min
